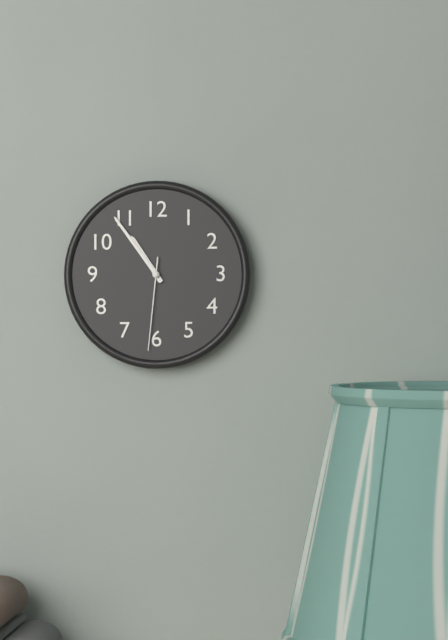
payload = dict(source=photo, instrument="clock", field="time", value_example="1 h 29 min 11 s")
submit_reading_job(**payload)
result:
10 h 54 min 31 s
